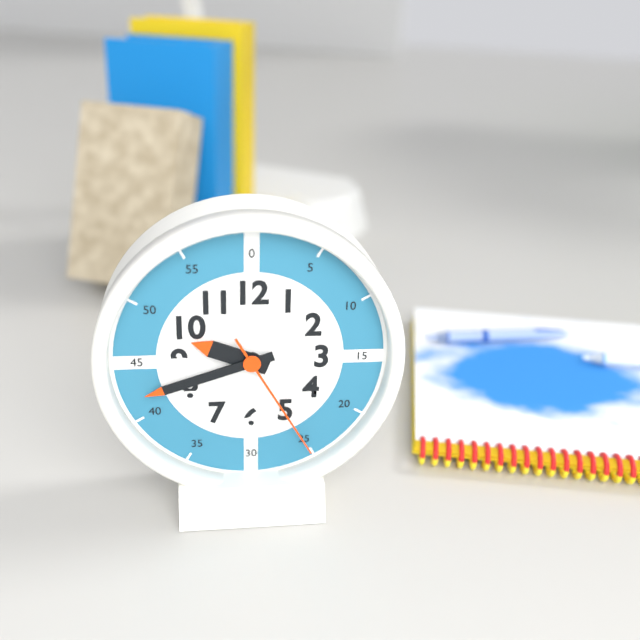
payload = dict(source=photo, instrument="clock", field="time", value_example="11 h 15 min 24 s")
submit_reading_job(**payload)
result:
9 h 42 min 25 s
